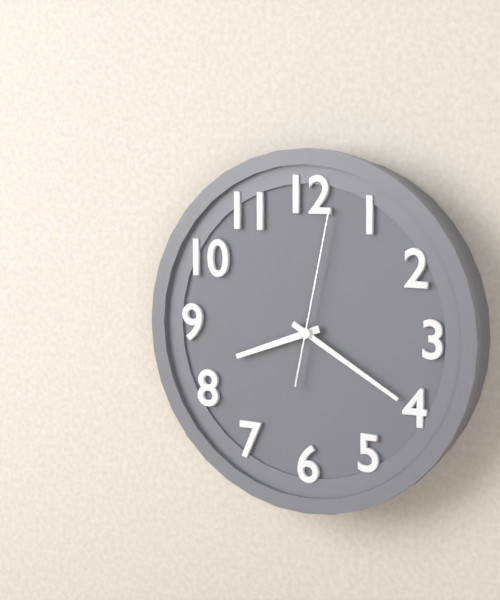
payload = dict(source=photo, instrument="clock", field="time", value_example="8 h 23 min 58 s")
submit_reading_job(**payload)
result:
8 h 20 min 02 s
